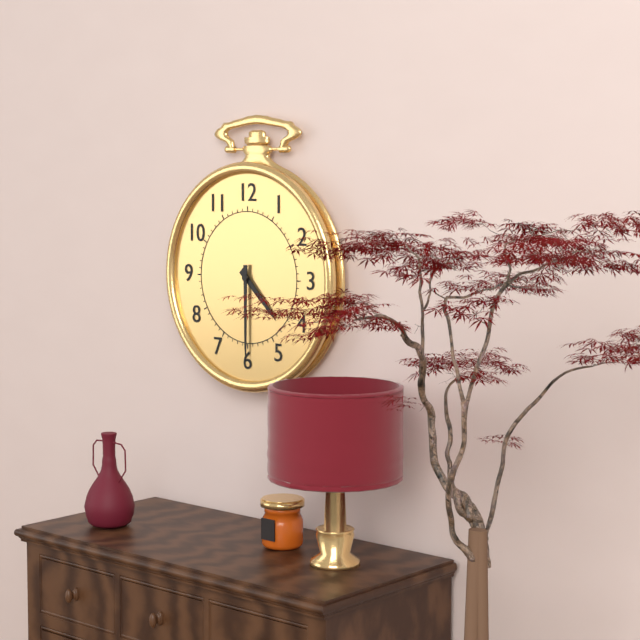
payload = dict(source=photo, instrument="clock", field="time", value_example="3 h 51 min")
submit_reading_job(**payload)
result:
4 h 30 min
